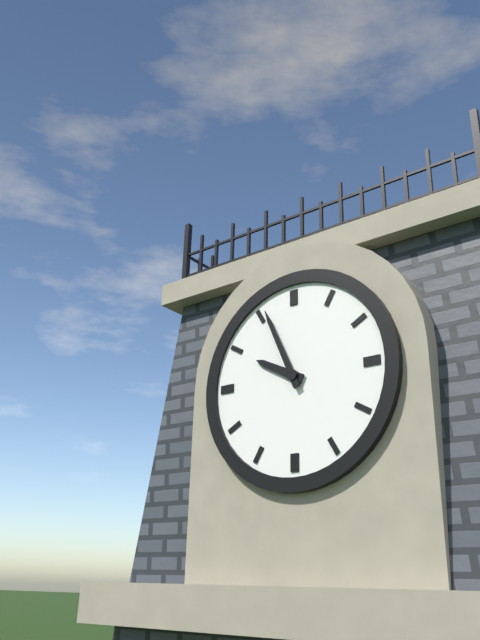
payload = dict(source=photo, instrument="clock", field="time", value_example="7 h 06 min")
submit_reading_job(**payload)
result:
9 h 56 min
